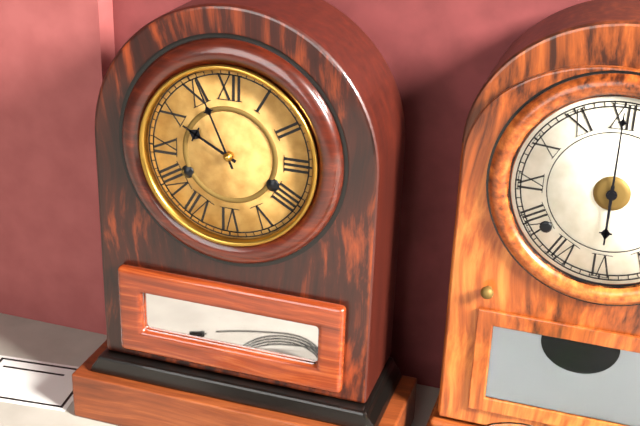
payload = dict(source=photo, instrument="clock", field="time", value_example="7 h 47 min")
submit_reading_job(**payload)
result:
9 h 56 min
